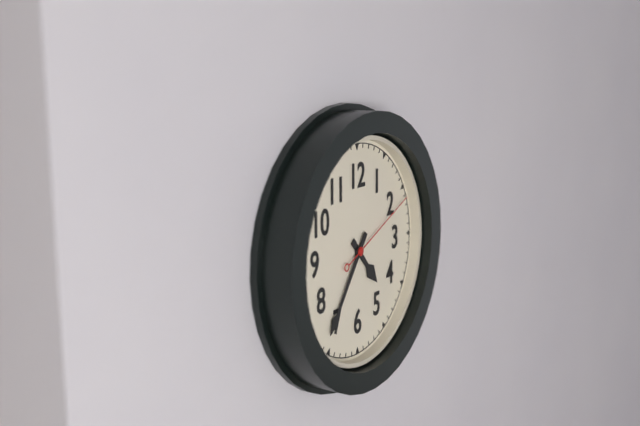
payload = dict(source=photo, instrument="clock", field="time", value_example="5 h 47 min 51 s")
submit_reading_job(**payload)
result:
4 h 36 min 11 s
